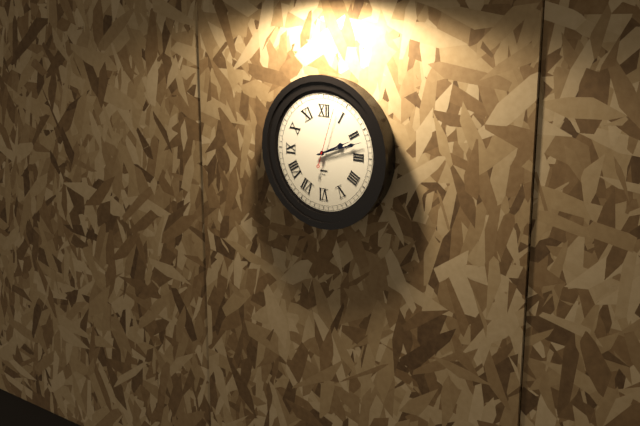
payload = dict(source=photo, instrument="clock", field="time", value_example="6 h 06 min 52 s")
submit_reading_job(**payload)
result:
2 h 12 min 03 s
